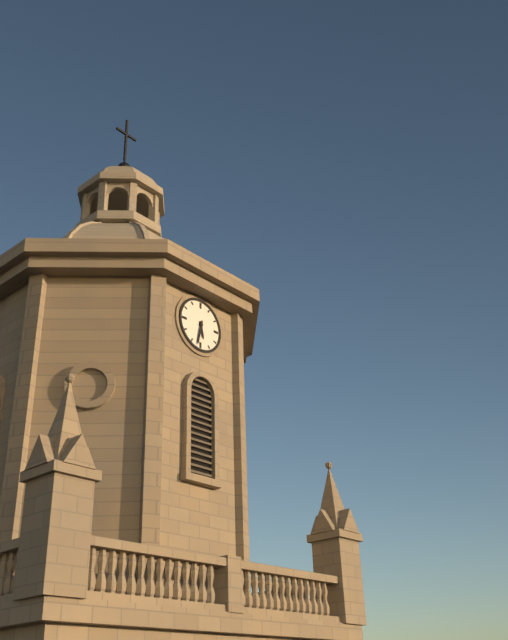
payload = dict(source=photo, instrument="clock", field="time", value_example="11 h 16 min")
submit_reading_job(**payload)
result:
5 h 32 min
